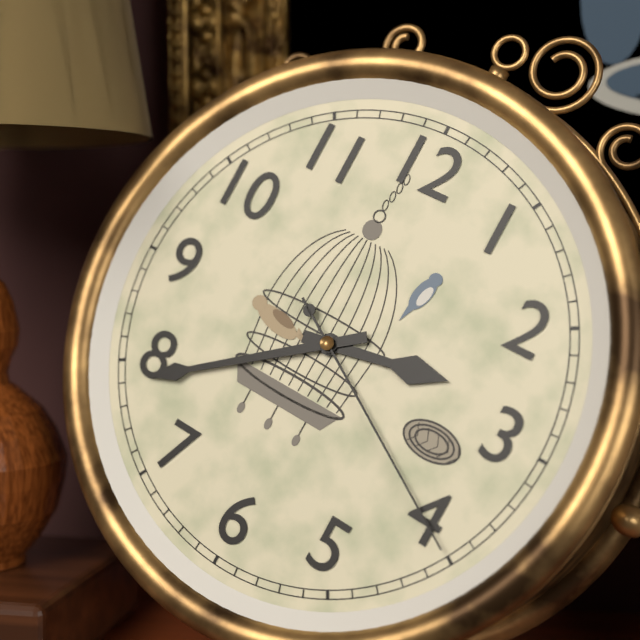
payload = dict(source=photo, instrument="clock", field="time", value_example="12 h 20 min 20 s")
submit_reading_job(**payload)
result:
2 h 39 min 20 s
